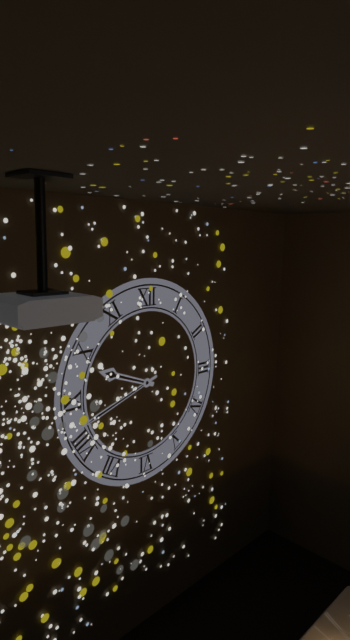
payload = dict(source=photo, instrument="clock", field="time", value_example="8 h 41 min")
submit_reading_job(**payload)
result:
9 h 42 min
